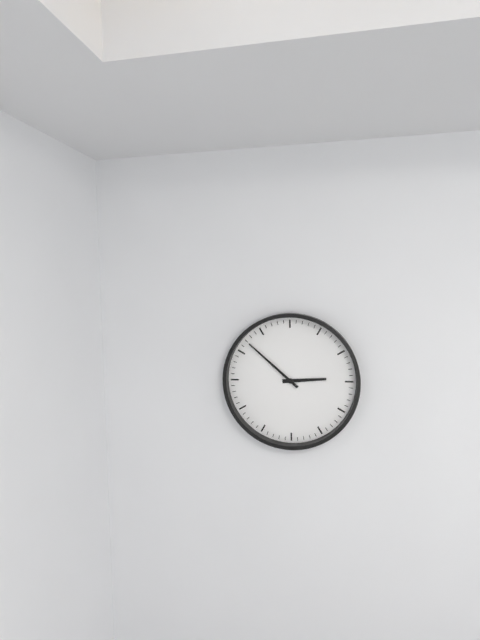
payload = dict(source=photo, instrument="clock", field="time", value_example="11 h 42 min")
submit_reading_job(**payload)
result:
2 h 52 min
